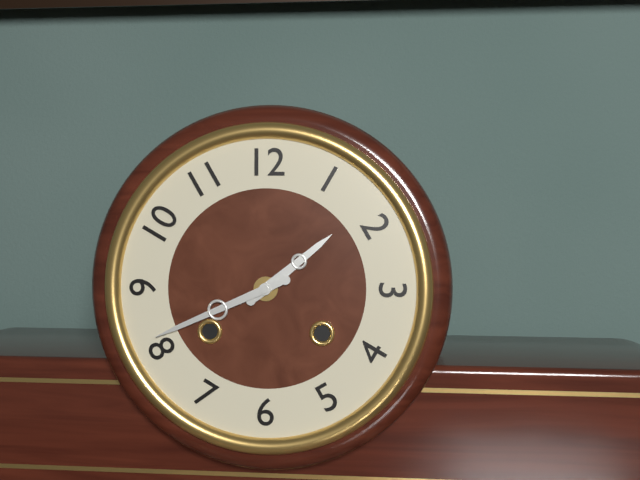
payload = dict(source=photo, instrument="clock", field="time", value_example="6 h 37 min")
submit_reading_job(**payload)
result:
1 h 41 min
